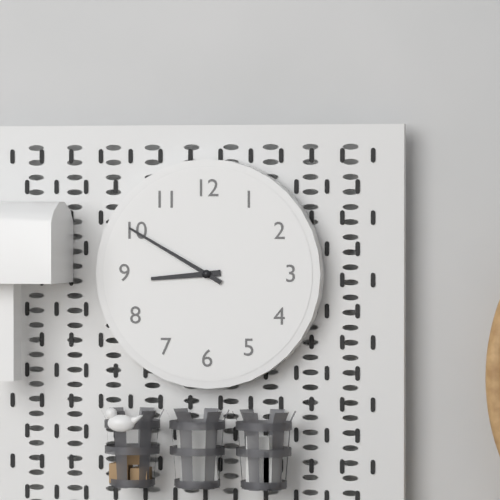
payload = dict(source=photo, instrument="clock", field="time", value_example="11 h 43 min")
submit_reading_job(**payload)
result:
8 h 50 min
